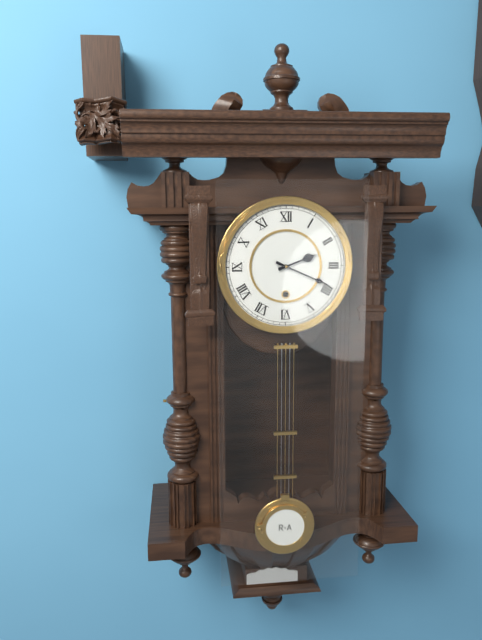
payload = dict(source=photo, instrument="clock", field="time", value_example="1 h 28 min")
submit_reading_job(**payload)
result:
2 h 19 min
